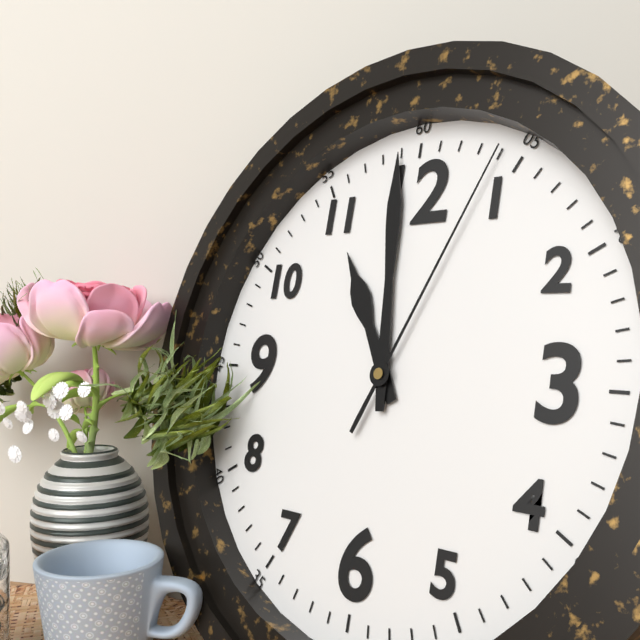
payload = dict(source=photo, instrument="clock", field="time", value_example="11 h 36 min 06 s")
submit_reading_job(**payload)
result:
10 h 59 min 04 s
